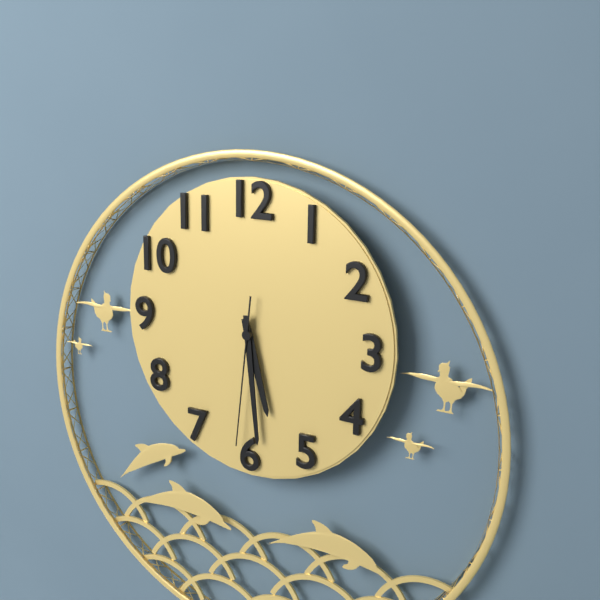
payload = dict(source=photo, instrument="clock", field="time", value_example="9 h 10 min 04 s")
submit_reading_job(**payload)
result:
5 h 29 min 31 s
